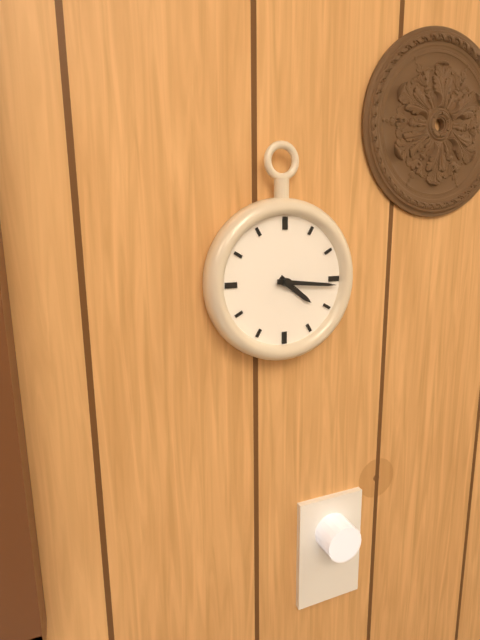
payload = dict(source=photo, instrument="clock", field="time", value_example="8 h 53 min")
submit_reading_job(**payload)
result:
4 h 16 min
